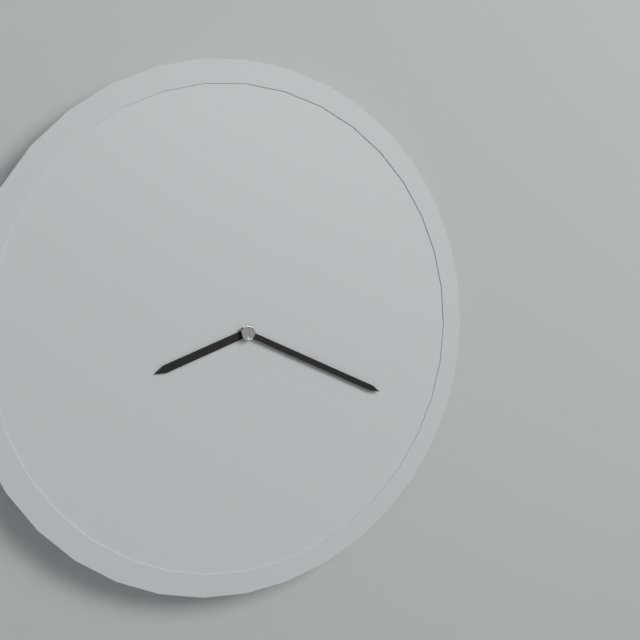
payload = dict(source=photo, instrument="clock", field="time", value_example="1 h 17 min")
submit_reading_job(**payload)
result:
8 h 19 min
